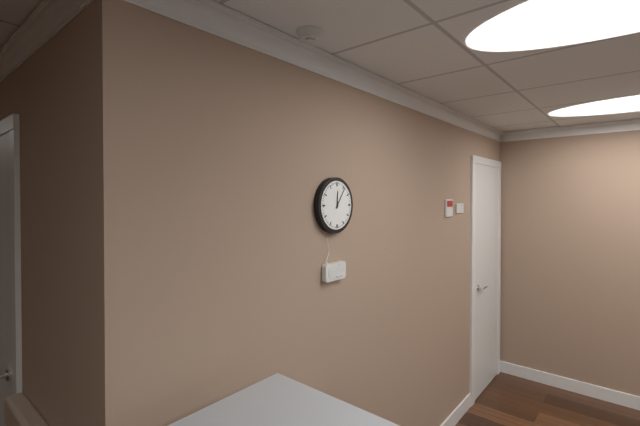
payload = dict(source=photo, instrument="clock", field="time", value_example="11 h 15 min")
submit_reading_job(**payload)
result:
12 h 06 min
